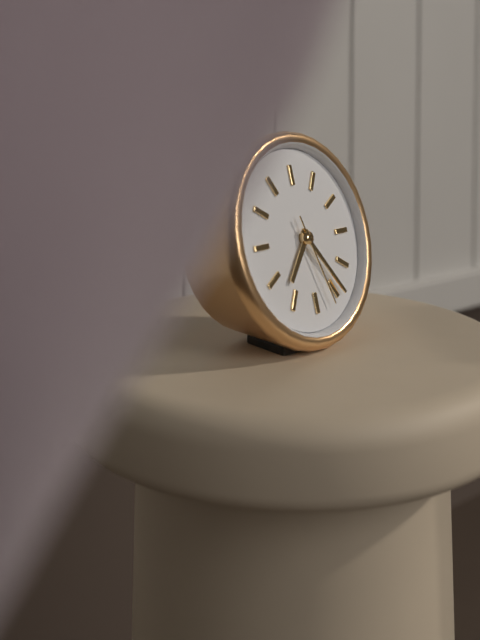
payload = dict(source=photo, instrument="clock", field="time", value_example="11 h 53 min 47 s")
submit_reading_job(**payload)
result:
7 h 24 min 27 s
